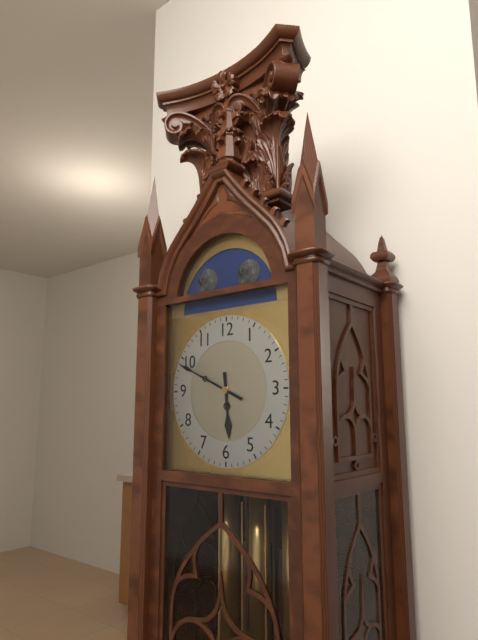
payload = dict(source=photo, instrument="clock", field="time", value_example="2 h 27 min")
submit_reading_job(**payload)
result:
5 h 49 min
